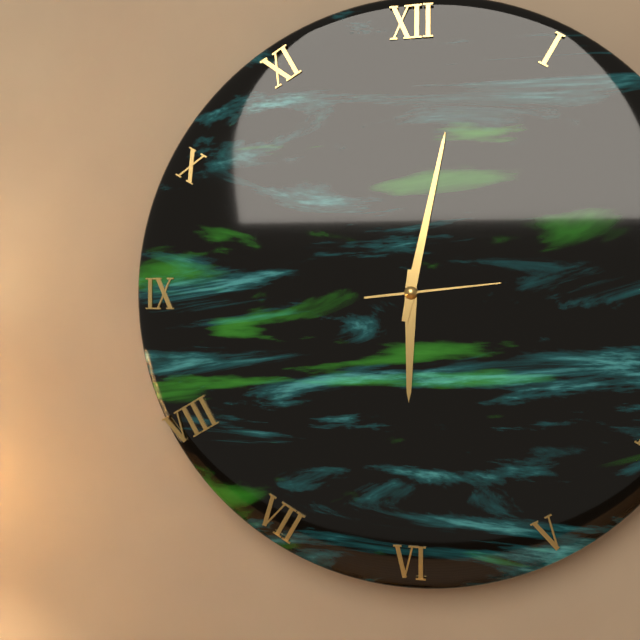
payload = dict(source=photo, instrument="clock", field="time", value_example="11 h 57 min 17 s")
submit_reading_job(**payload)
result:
6 h 02 min 14 s
